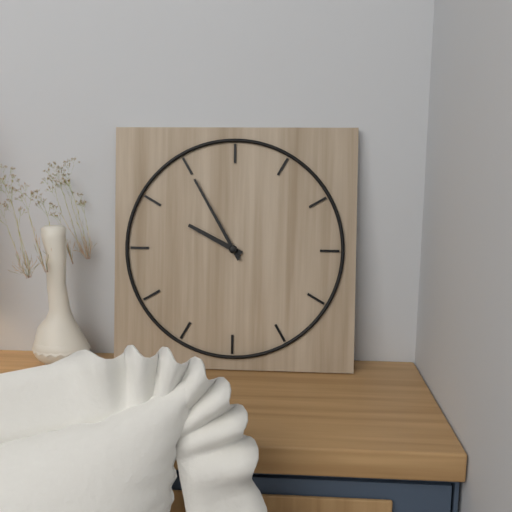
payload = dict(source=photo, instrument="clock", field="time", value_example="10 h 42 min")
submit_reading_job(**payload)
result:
9 h 55 min
